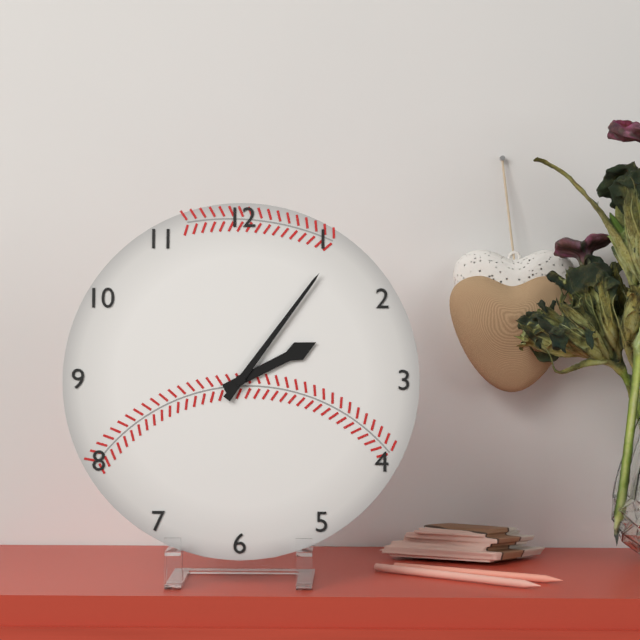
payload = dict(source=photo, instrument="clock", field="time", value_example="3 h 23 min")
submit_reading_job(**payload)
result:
2 h 06 min
